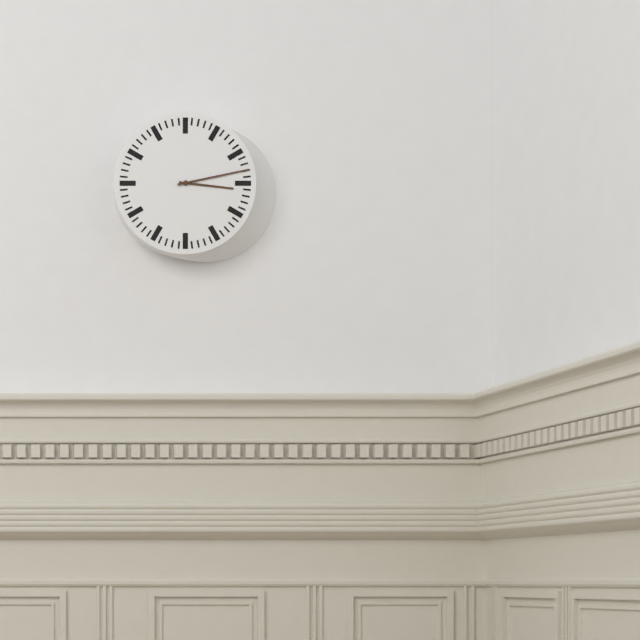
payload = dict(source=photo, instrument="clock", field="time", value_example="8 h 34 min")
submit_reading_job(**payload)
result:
3 h 13 min
